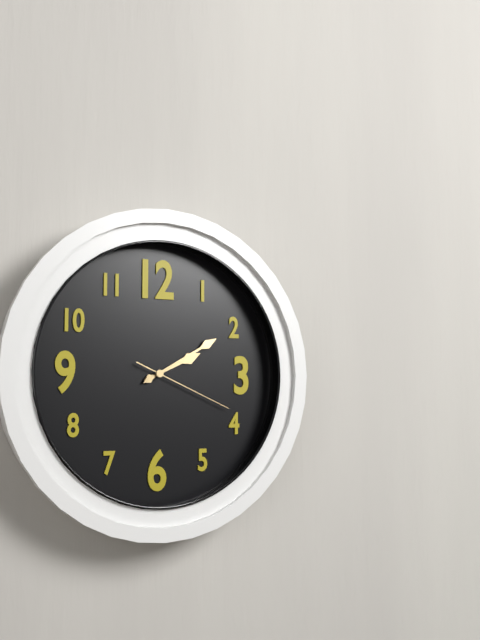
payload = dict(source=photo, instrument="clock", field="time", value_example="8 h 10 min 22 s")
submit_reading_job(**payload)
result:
2 h 10 min 19 s
